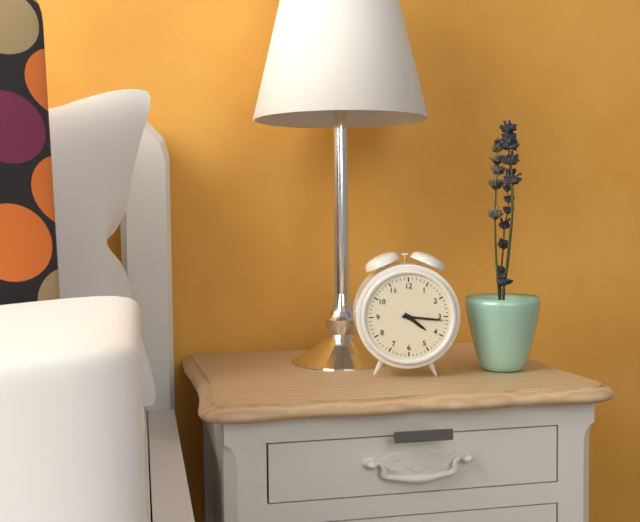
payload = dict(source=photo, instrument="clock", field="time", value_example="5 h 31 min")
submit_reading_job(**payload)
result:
4 h 16 min
